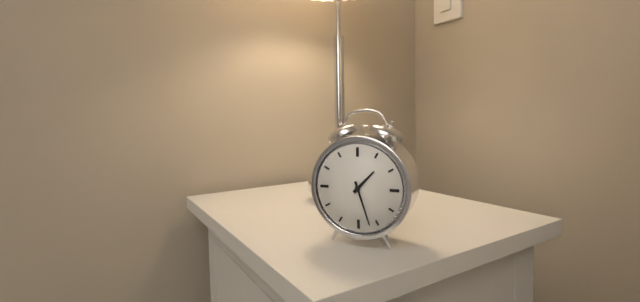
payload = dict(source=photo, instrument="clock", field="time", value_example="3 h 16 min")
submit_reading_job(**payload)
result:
1 h 27 min
